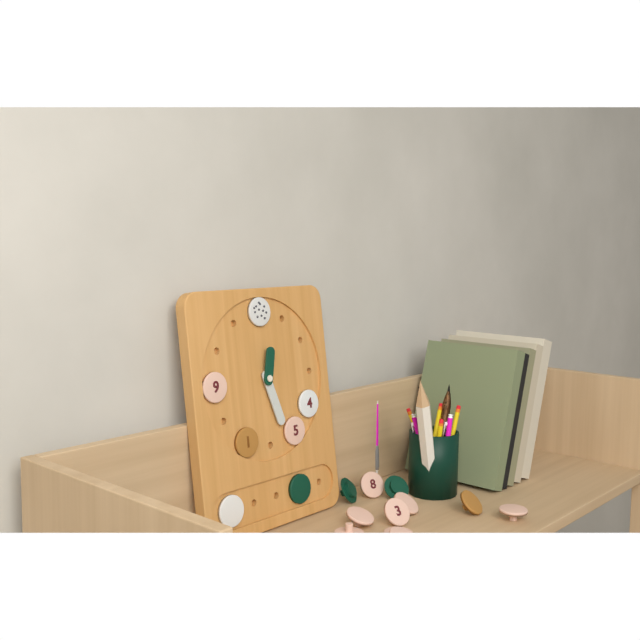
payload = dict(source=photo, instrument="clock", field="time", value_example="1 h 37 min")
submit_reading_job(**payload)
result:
12 h 27 min
